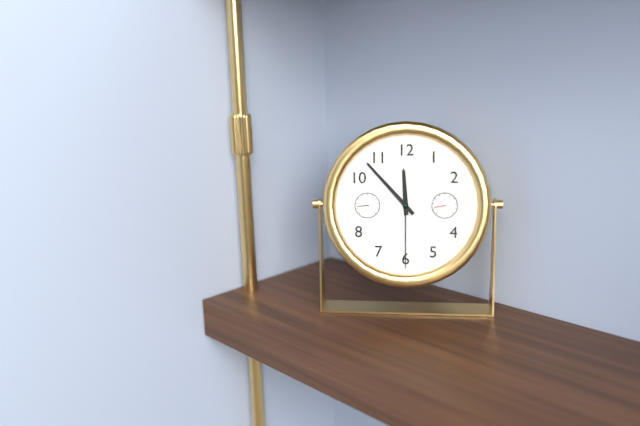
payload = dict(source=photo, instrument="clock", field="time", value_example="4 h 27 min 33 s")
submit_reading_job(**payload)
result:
11 h 53 min 30 s
